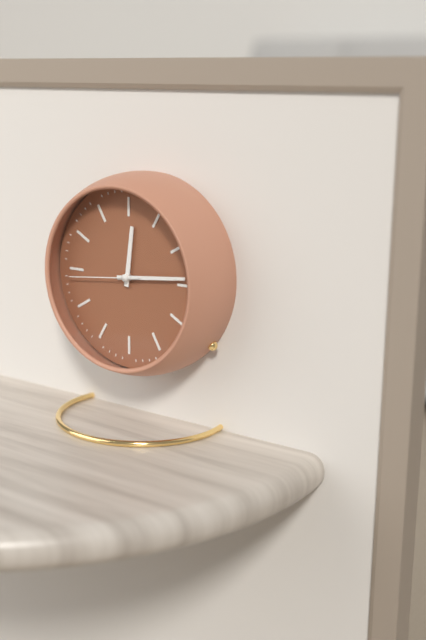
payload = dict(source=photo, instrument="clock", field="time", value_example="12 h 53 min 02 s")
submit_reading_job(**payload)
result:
12 h 14 min 44 s
